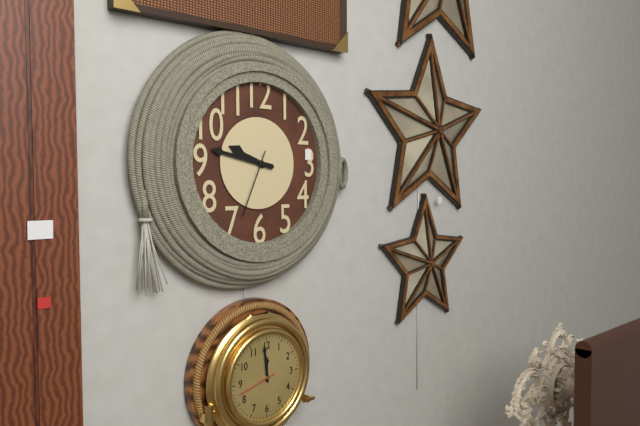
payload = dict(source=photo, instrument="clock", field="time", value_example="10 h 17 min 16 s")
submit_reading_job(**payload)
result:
9 h 47 min 34 s
